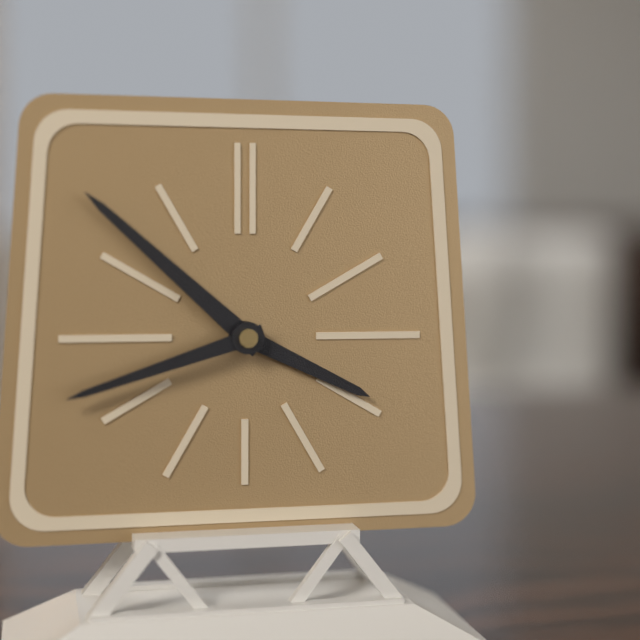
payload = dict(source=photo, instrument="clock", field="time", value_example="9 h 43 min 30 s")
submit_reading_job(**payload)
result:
3 h 52 min 42 s
